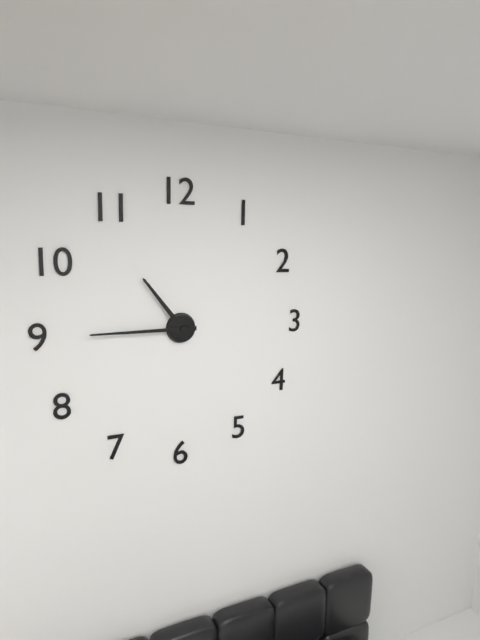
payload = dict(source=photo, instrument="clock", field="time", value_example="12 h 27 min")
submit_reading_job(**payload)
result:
10 h 45 min
